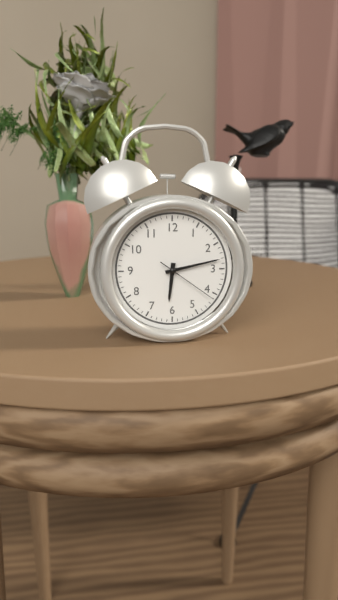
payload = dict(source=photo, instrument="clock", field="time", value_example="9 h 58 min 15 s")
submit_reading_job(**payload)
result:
6 h 13 min 21 s
